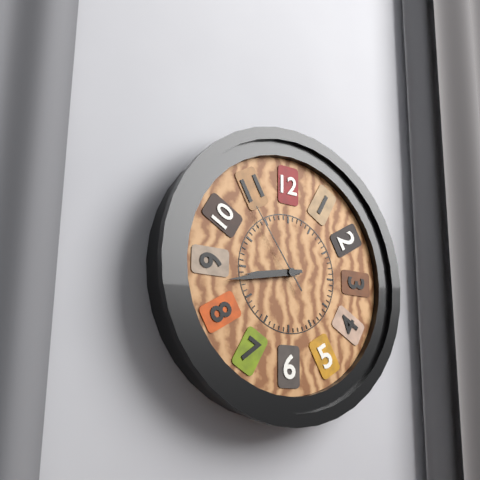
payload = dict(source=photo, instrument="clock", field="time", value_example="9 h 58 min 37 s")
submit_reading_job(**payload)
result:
8 h 43 min 54 s
